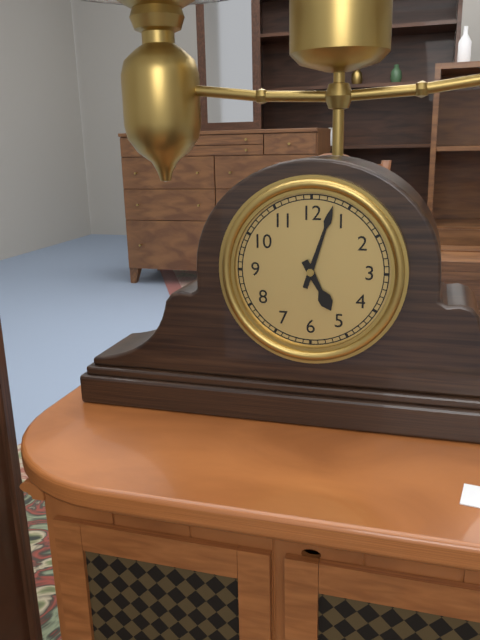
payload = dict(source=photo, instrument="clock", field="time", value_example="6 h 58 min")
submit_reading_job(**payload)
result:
5 h 03 min
